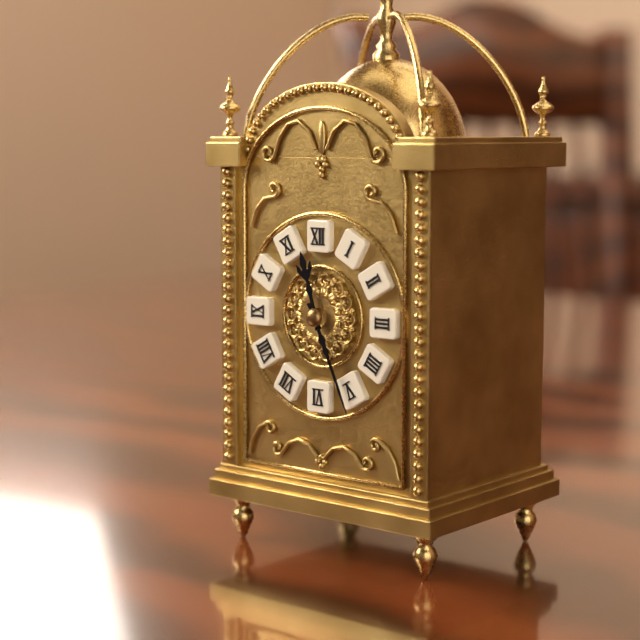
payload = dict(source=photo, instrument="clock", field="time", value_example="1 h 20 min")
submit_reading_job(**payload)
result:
11 h 26 min
